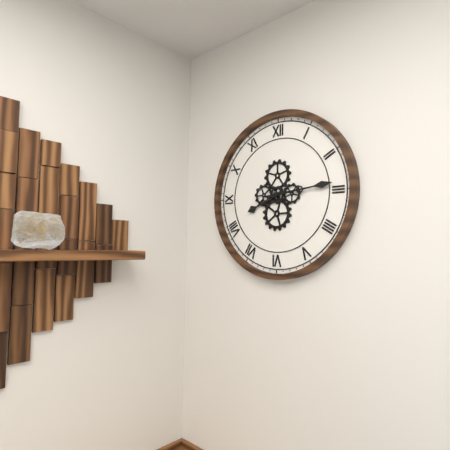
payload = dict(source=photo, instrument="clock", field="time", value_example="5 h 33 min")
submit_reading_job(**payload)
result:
8 h 14 min
